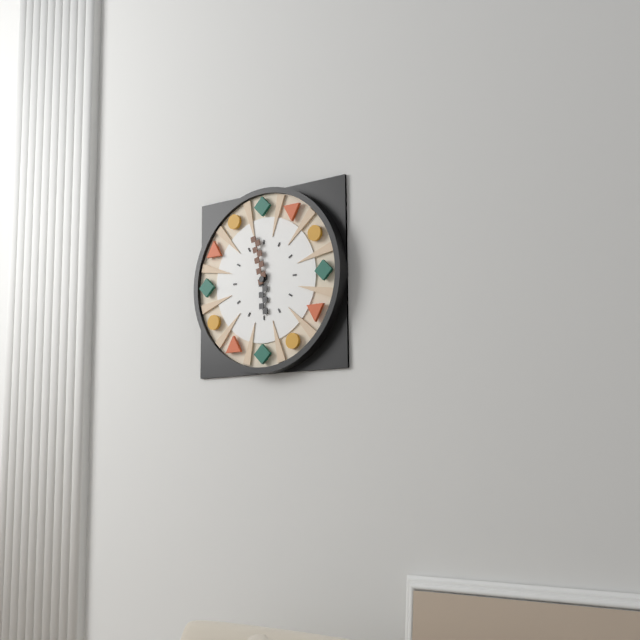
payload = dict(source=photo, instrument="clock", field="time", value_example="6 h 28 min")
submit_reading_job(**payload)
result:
5 h 58 min
